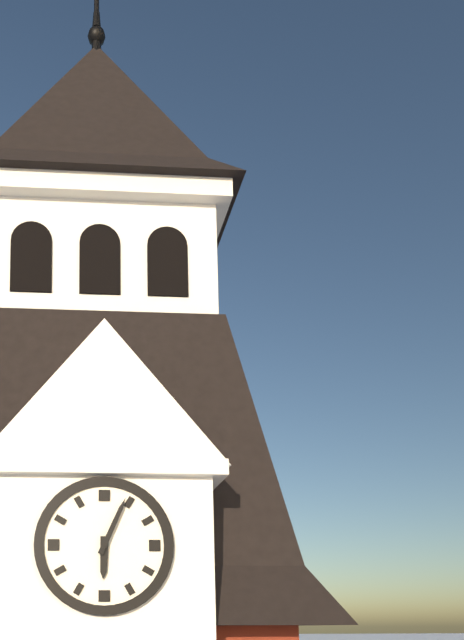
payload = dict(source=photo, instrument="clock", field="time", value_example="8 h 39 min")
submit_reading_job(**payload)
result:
6 h 04 min
